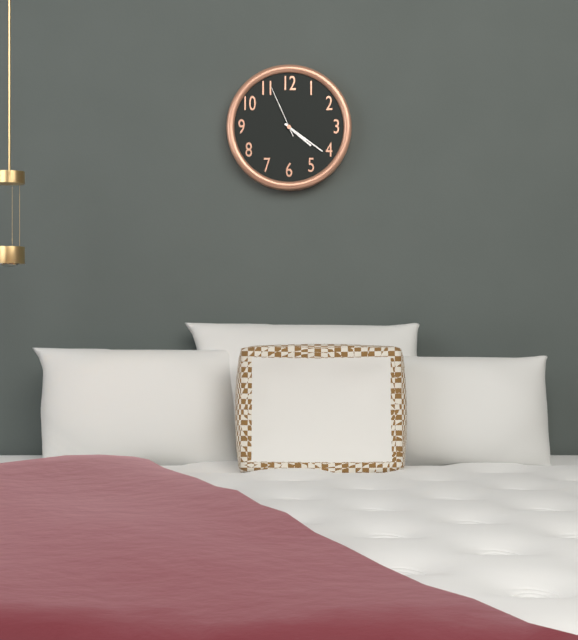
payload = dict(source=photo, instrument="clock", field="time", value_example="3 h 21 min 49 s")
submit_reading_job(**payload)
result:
4 h 21 min 56 s
